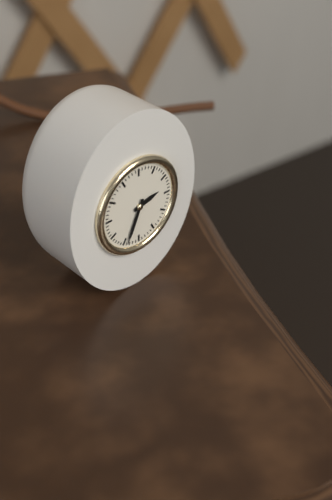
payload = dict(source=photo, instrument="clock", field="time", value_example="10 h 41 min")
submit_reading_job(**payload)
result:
2 h 34 min
